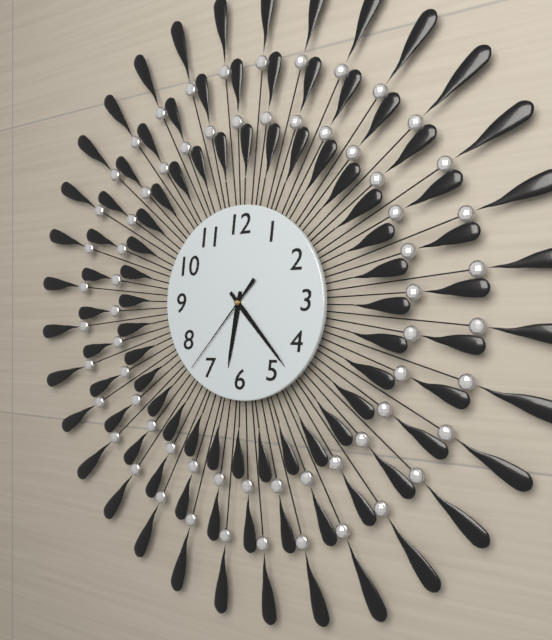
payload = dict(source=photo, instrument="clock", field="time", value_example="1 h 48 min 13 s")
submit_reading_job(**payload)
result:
6 h 23 min 37 s
